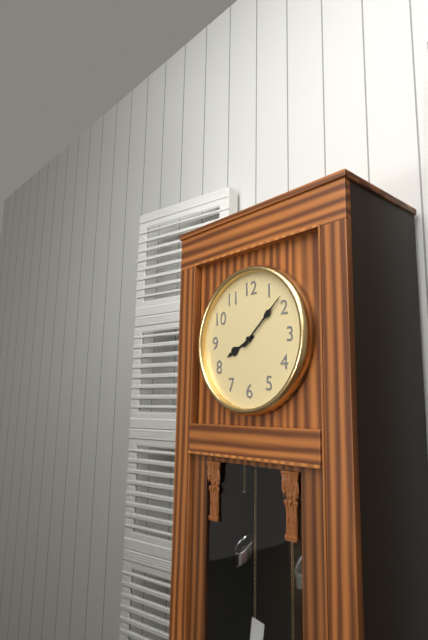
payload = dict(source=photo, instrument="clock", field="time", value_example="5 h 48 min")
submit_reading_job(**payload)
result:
8 h 08 min
